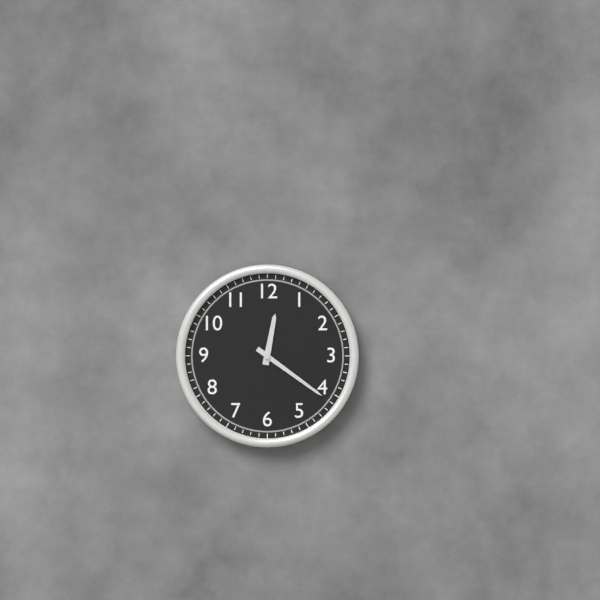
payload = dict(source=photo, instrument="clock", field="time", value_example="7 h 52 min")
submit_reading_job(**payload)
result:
12 h 21 min
